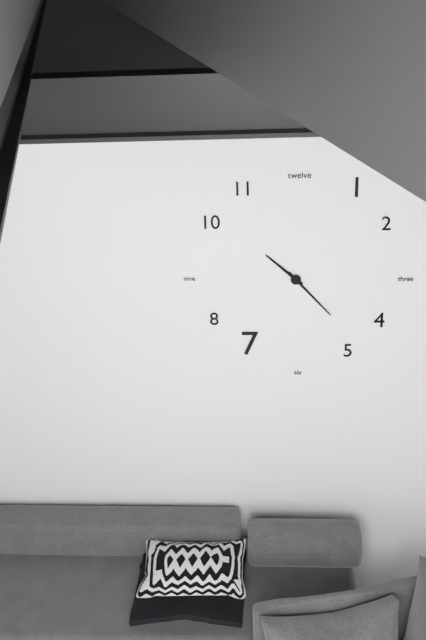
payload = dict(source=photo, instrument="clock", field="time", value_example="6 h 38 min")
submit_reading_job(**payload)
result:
10 h 23 min
